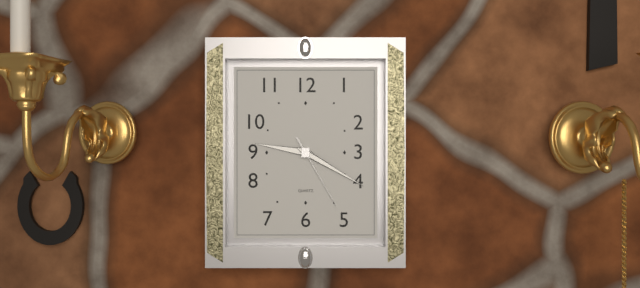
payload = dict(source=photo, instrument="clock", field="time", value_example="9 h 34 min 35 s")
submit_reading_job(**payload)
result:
9 h 20 min 25 s
